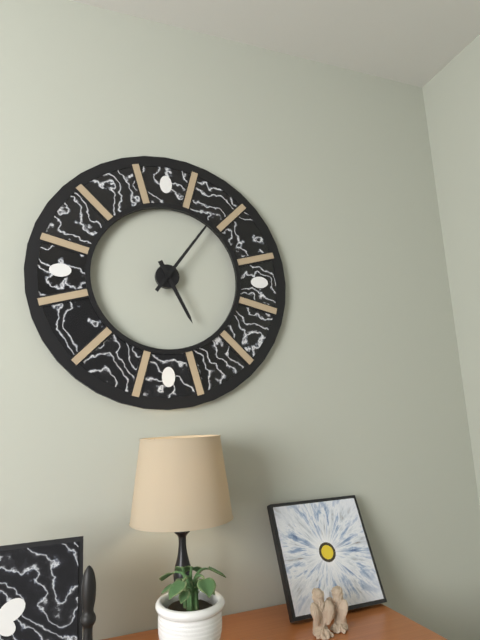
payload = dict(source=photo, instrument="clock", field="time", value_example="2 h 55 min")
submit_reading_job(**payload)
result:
5 h 06 min
